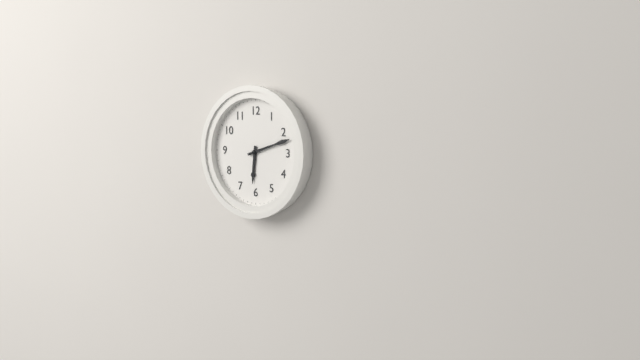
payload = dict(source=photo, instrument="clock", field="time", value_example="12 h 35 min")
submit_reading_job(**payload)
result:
6 h 12 min
